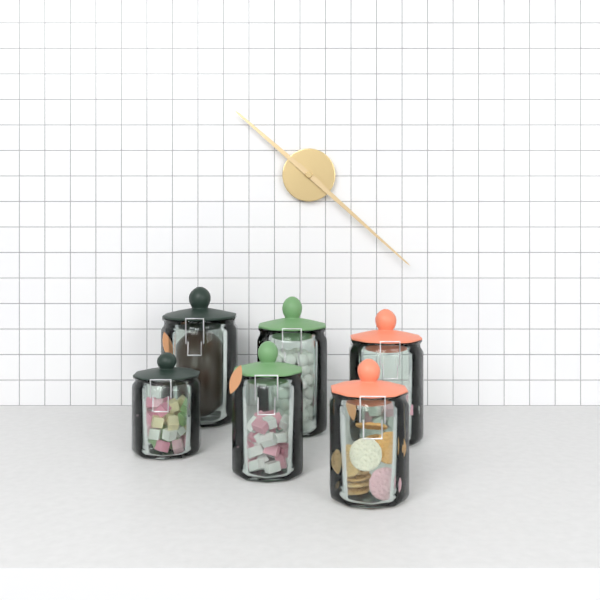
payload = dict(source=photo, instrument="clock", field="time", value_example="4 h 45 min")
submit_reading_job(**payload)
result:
10 h 22 min
